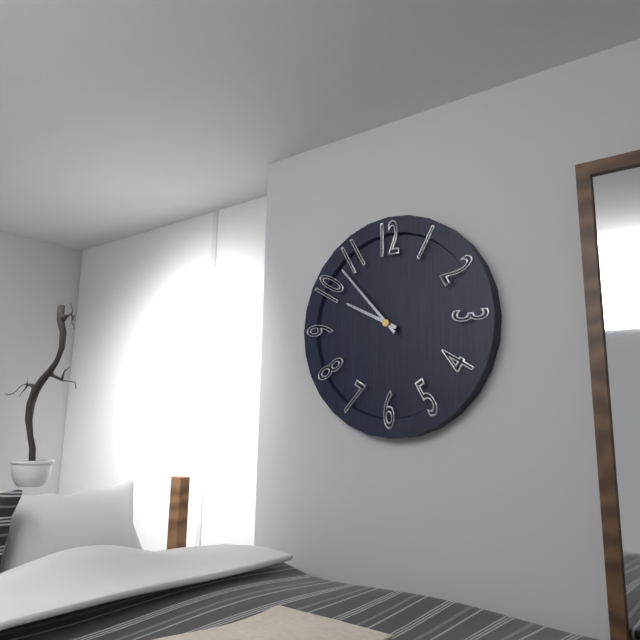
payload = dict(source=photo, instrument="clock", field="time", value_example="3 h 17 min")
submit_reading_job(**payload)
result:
9 h 53 min
